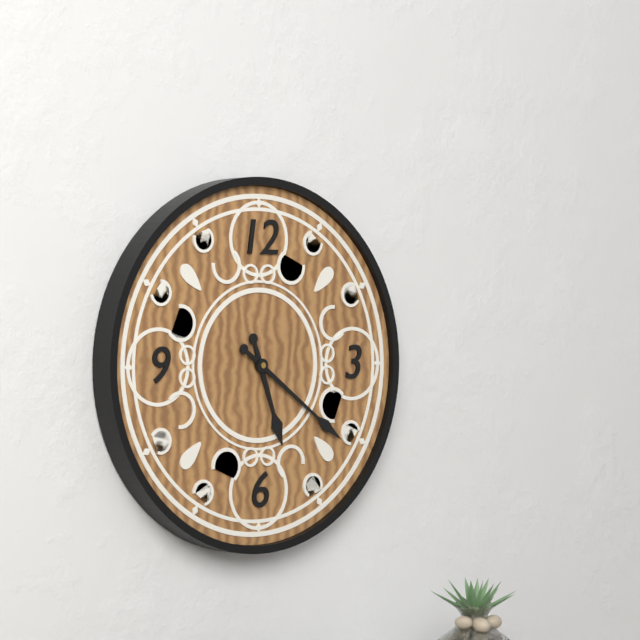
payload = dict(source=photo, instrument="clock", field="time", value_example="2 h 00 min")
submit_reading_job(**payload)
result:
5 h 21 min
